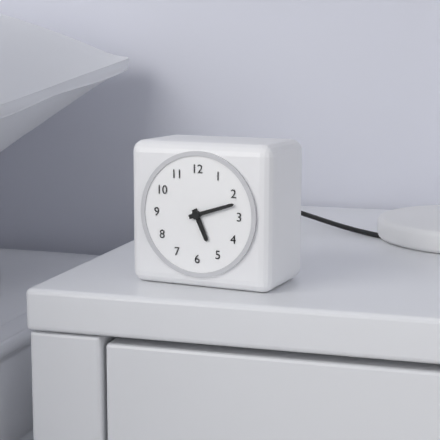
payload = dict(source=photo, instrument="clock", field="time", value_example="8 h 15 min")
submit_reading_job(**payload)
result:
5 h 12 min
